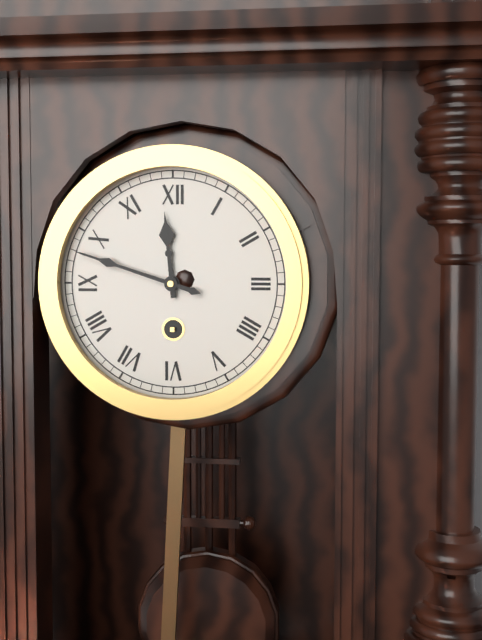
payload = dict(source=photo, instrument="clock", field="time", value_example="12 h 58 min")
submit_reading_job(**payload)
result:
11 h 48 min
